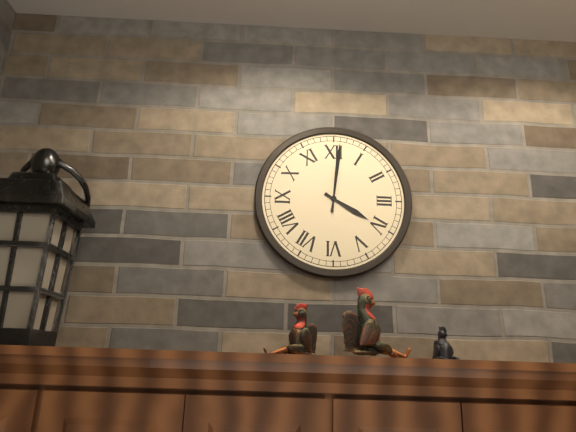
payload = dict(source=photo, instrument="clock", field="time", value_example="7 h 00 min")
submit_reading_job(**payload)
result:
4 h 01 min
